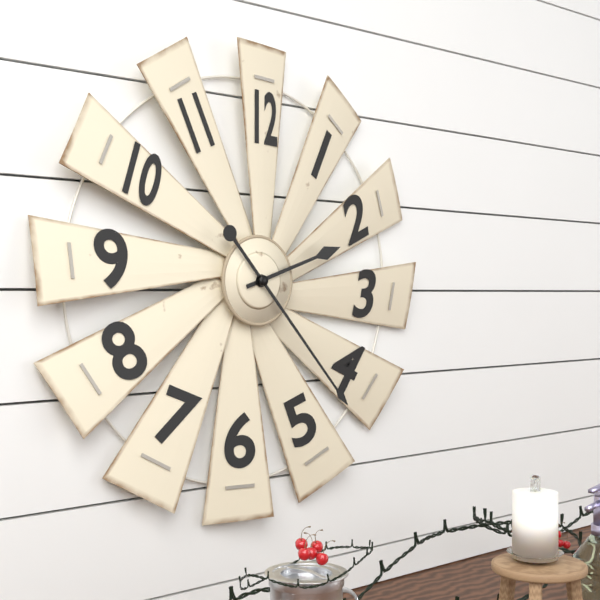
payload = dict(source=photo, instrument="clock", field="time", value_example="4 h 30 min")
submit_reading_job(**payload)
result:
2 h 23 min
